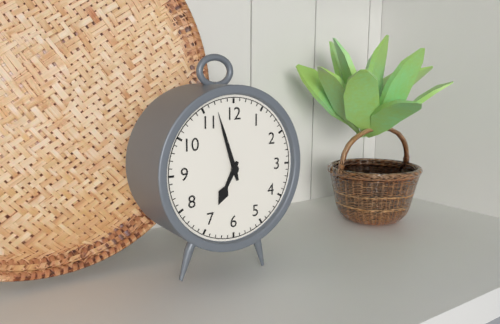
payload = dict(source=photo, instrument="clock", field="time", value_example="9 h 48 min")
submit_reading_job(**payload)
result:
6 h 57 min
